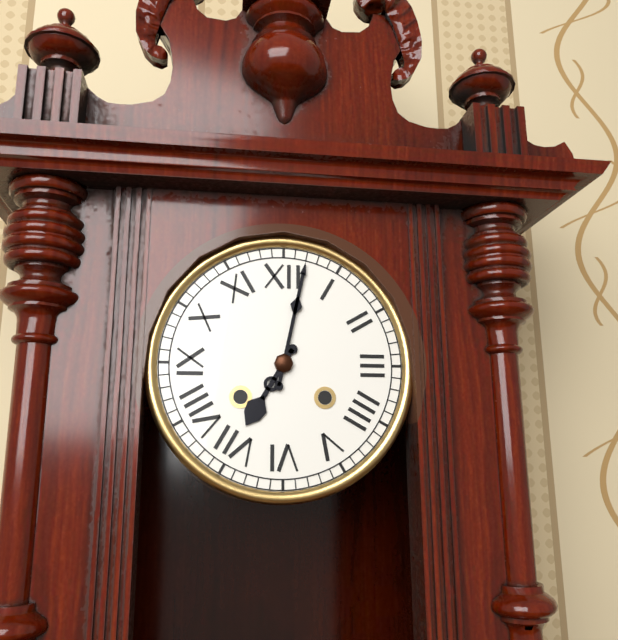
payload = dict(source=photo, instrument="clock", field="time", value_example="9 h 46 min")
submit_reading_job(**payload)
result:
7 h 02 min
